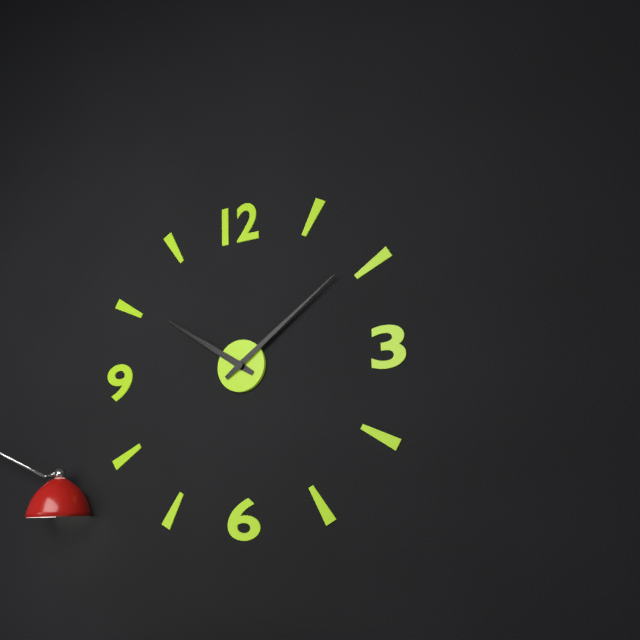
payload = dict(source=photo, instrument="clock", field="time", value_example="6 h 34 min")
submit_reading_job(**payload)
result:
10 h 09 min
